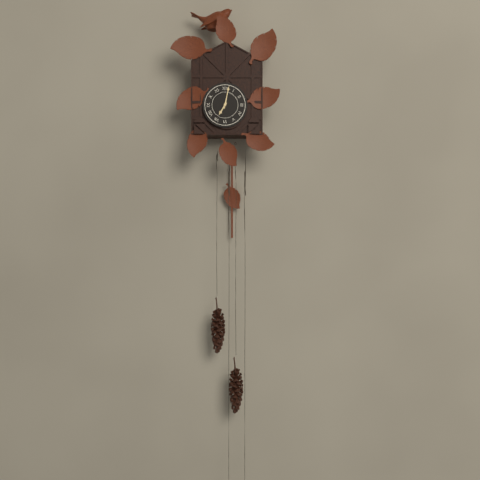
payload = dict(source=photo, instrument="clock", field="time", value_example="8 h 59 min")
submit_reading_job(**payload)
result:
7 h 02 min
